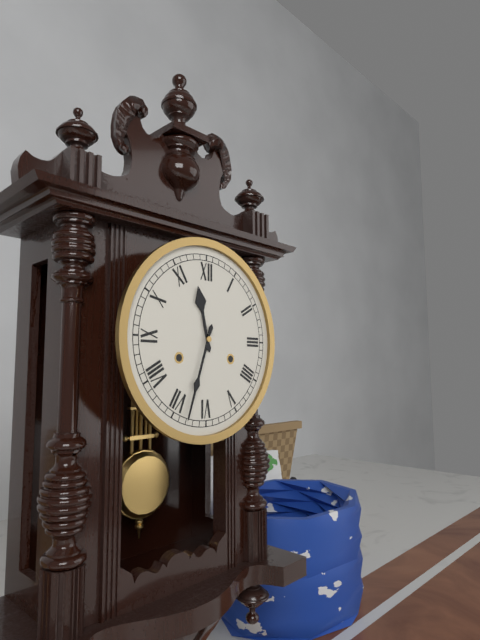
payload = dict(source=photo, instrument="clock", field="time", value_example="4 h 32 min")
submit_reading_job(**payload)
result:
11 h 33 min
